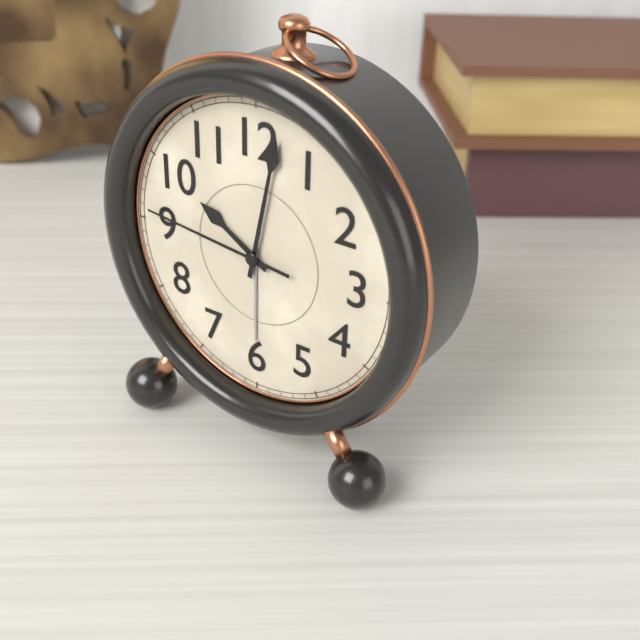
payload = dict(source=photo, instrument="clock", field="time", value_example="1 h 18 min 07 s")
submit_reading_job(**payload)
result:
10 h 02 min 46 s
